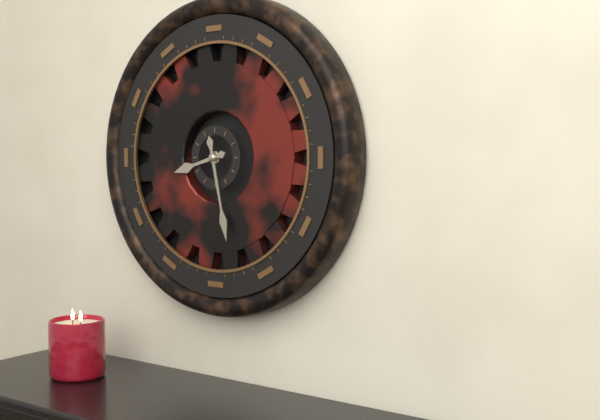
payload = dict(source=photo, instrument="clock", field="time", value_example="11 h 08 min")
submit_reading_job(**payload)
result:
8 h 28 min
